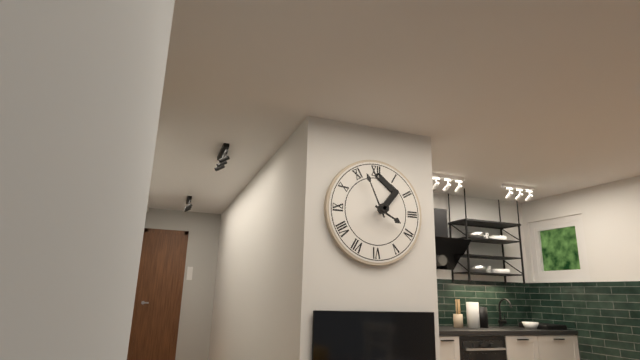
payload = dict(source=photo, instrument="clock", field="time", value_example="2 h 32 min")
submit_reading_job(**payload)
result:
3 h 56 min
